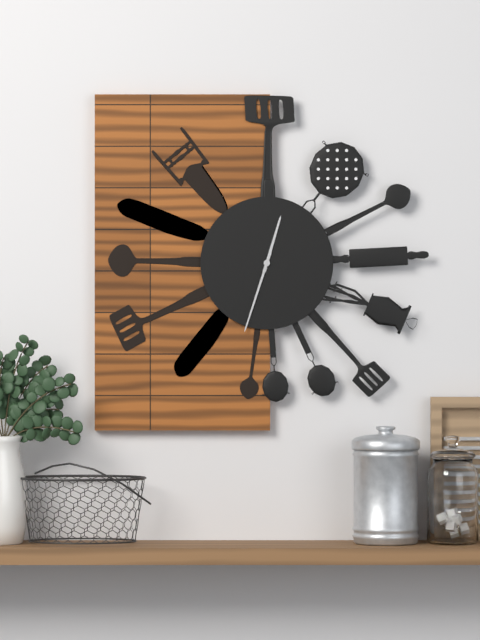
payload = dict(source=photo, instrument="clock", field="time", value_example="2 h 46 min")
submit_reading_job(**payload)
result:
12 h 33 min
